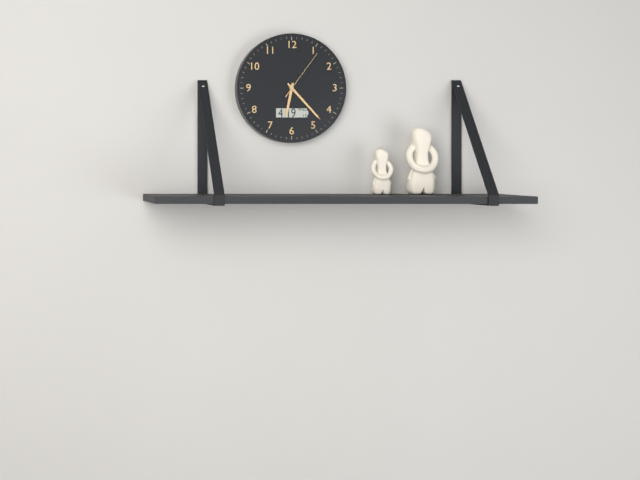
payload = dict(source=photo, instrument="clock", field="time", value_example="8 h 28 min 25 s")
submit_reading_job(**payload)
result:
6 h 23 min 06 s
